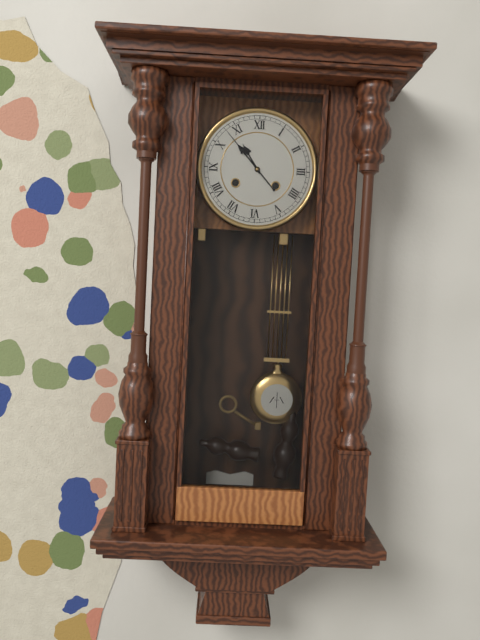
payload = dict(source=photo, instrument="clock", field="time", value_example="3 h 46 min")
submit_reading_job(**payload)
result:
10 h 53 min
